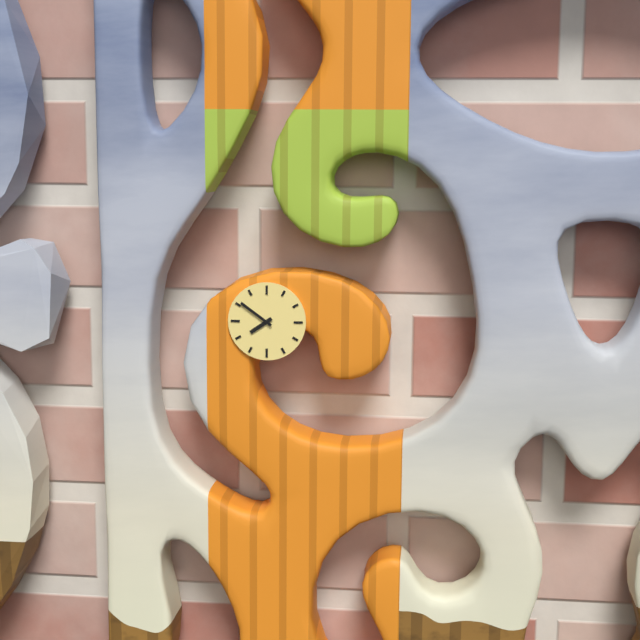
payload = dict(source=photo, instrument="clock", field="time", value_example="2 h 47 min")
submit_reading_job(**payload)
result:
7 h 51 min
